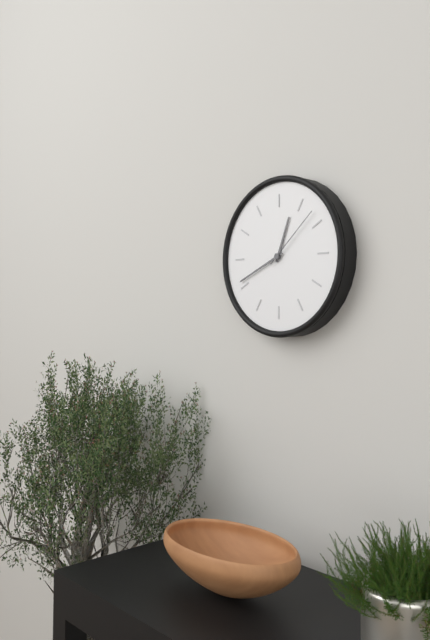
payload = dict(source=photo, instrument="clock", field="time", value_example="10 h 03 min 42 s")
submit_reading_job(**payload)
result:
12 h 41 min 08 s
